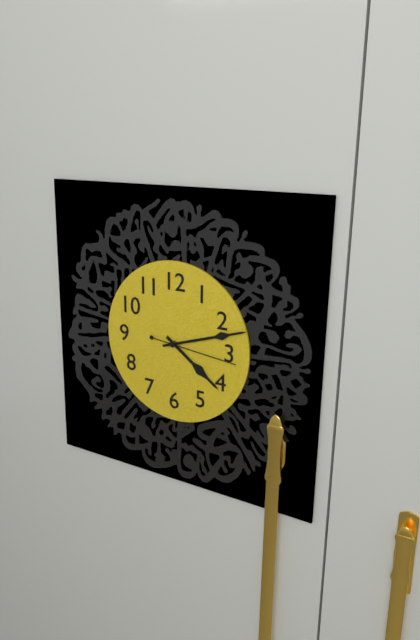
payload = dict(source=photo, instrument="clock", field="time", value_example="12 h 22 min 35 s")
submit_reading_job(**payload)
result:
4 h 12 min 16 s
